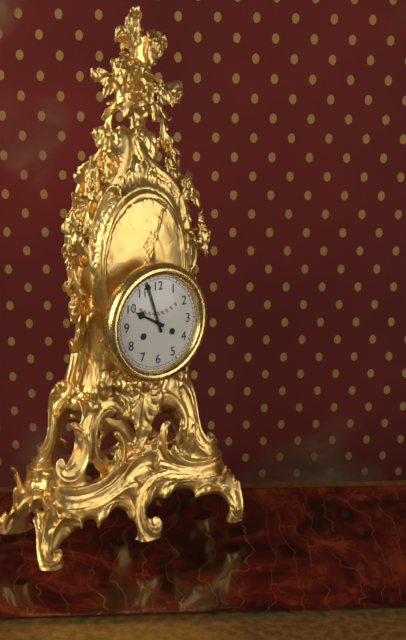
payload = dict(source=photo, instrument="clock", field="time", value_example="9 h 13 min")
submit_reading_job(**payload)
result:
9 h 57 min
